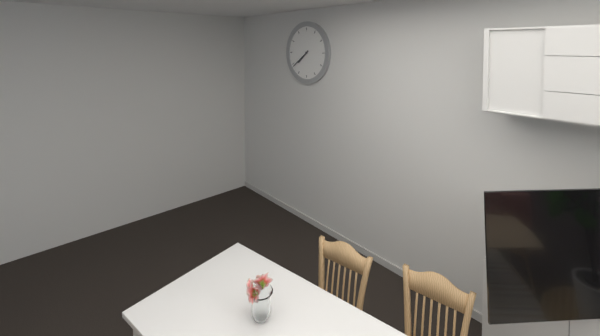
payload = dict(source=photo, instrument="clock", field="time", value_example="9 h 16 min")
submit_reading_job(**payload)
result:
7 h 39 min
